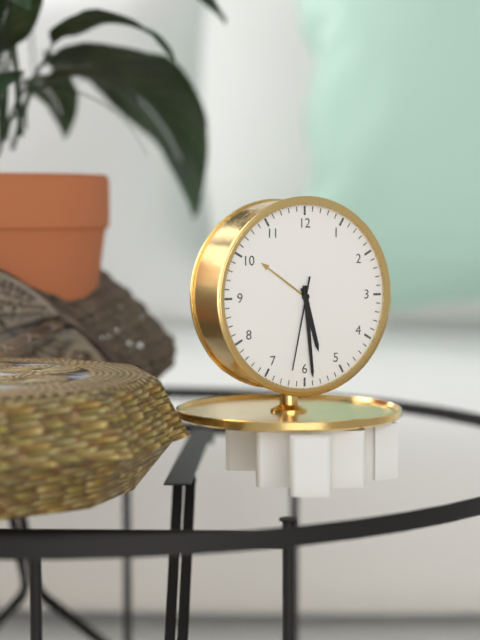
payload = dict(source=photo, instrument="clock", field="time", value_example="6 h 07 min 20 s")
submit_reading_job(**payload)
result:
5 h 29 min 32 s
